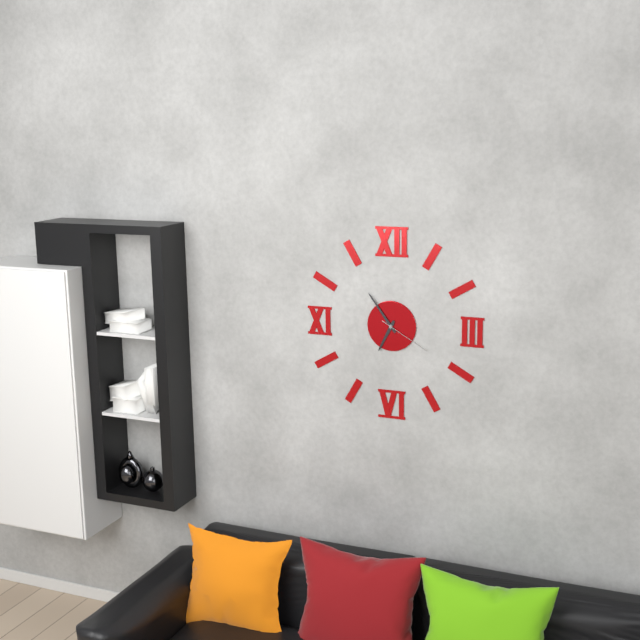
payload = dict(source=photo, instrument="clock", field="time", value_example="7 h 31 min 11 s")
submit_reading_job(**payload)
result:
6 h 54 min 20 s
